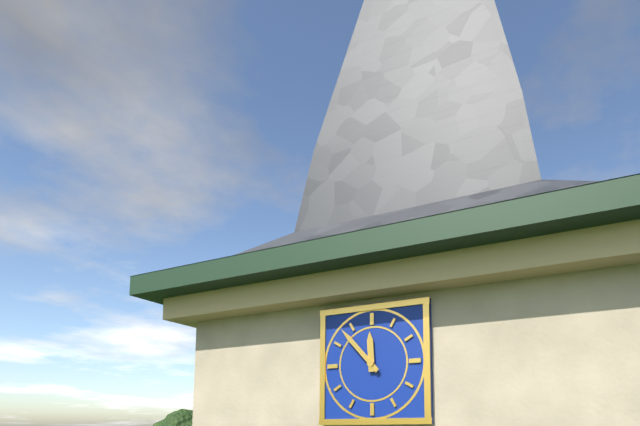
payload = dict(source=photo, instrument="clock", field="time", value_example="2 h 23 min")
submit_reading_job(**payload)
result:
11 h 53 min
